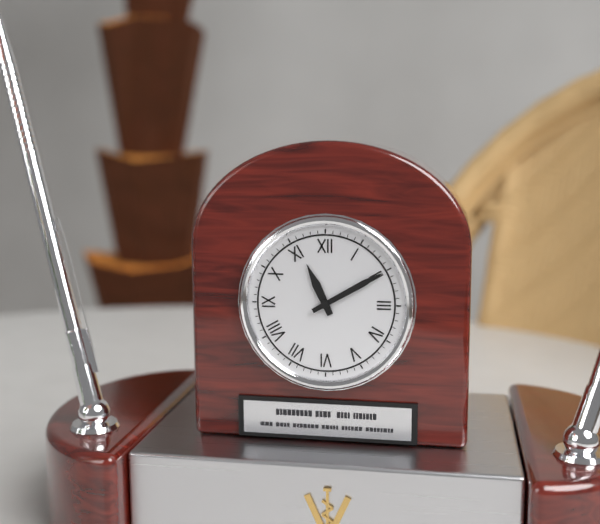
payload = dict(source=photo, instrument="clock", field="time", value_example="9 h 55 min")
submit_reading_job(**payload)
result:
11 h 10 min
